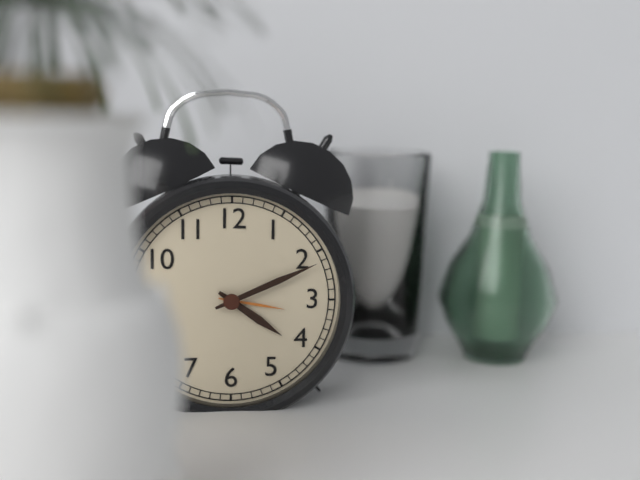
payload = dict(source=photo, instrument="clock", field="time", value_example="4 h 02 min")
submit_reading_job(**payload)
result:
4 h 11 min
